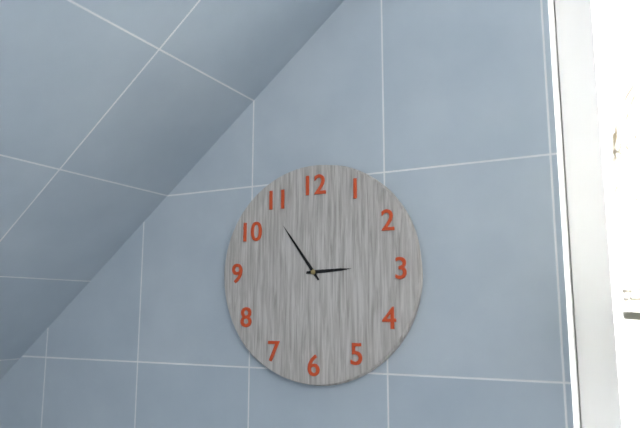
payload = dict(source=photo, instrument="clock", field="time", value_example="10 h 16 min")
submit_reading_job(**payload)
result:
2 h 54 min
